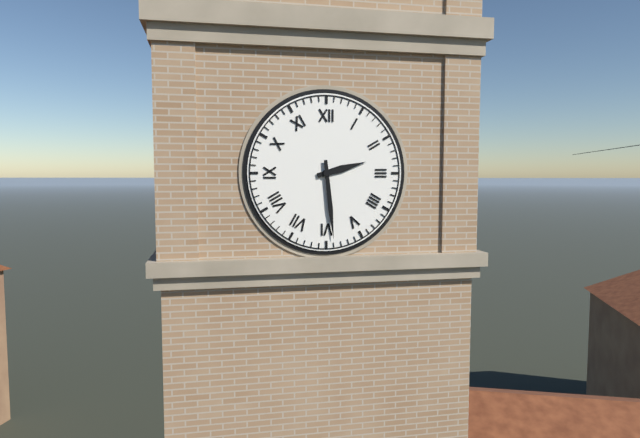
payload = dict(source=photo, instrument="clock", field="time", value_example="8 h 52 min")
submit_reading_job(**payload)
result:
2 h 29 min
